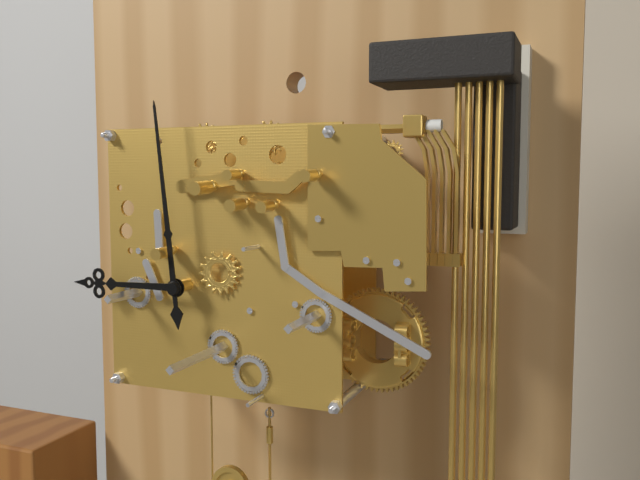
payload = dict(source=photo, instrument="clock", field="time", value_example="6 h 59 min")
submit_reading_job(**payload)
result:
8 h 59 min
